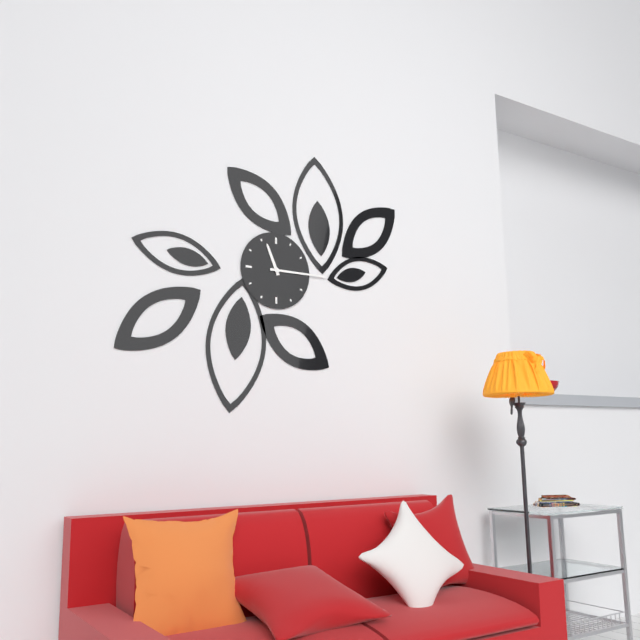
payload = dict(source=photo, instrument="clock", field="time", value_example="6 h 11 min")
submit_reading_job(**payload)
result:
11 h 15 min
